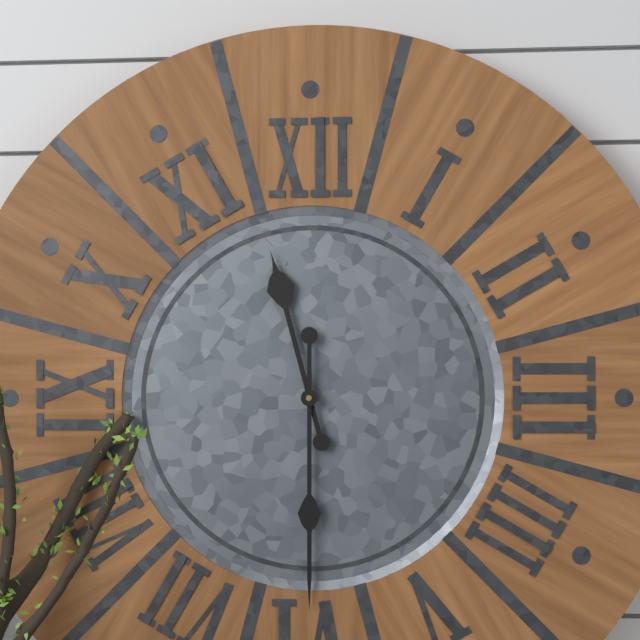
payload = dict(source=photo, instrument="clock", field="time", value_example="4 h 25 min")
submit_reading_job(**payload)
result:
11 h 30 min
